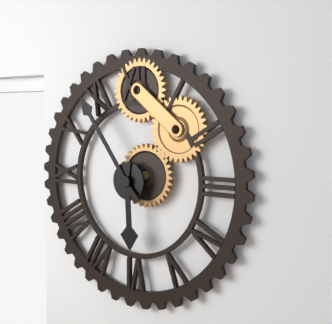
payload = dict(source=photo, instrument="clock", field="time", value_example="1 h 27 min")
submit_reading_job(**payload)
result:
5 h 54 min
